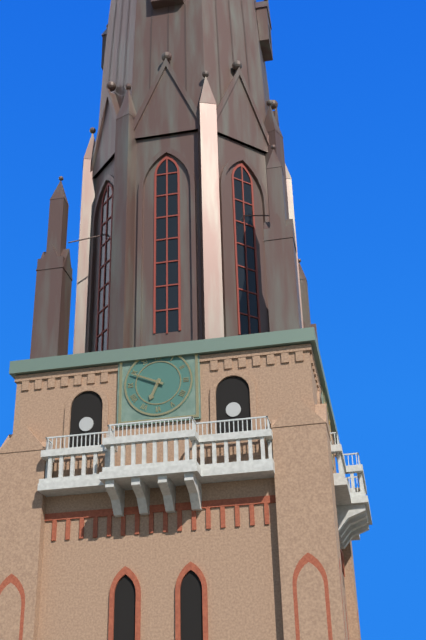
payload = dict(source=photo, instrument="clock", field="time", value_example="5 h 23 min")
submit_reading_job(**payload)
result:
6 h 49 min
